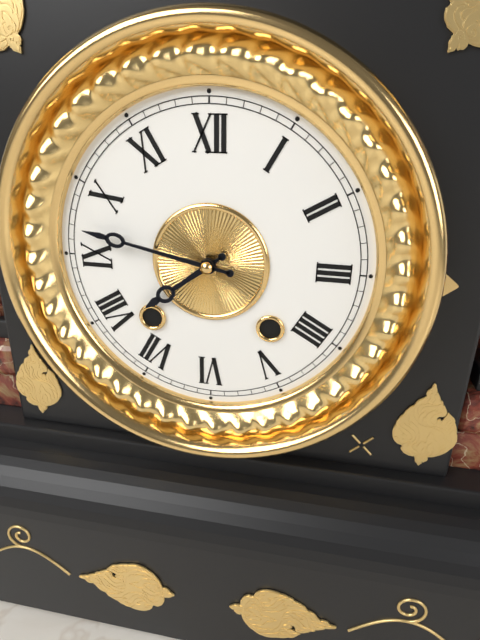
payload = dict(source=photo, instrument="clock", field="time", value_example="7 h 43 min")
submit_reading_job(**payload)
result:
7 h 47 min
